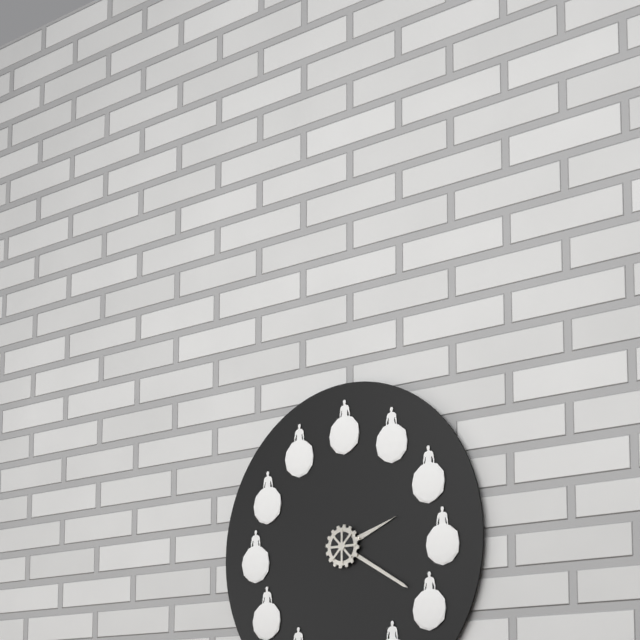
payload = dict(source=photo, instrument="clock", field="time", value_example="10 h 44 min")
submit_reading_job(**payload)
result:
2 h 20 min
